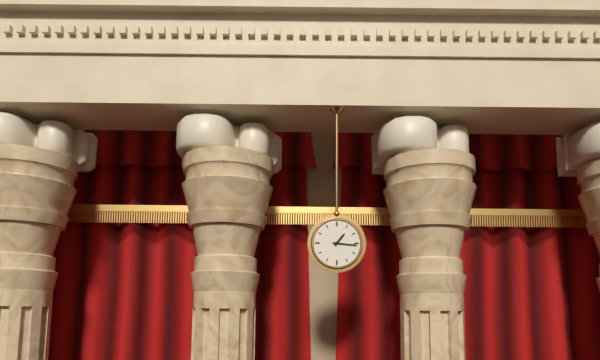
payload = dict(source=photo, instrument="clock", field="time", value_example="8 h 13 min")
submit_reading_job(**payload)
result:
1 h 16 min
